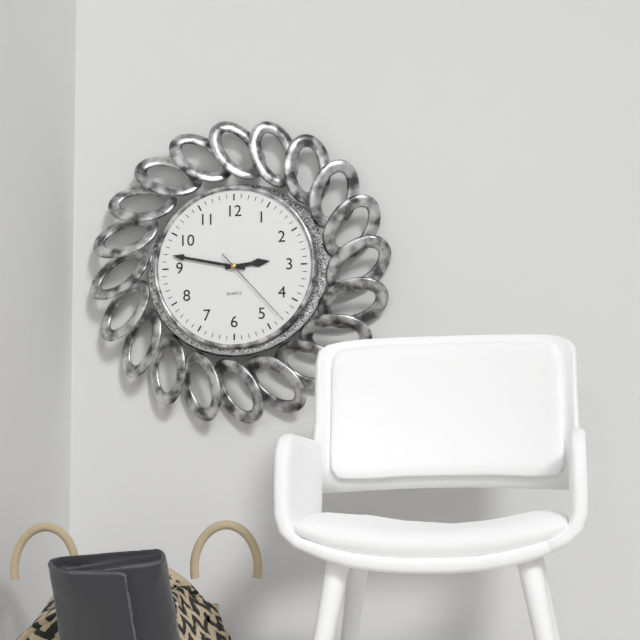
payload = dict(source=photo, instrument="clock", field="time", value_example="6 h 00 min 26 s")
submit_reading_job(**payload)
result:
2 h 47 min 23 s
